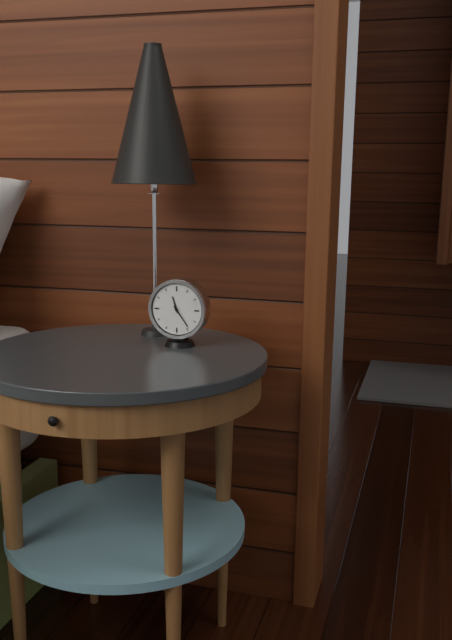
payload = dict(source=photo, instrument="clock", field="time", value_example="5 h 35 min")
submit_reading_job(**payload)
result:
11 h 24 min
